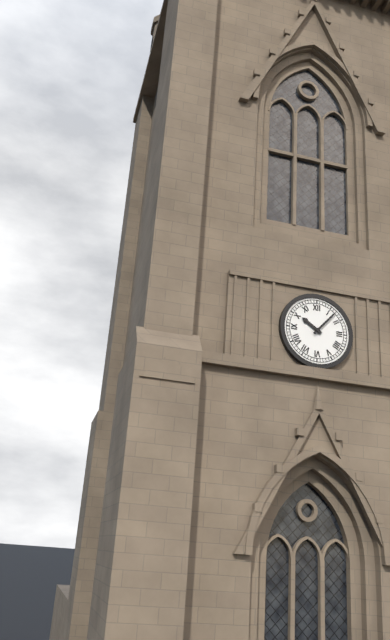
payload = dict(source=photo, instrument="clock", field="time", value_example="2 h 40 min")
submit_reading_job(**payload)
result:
10 h 07 min
